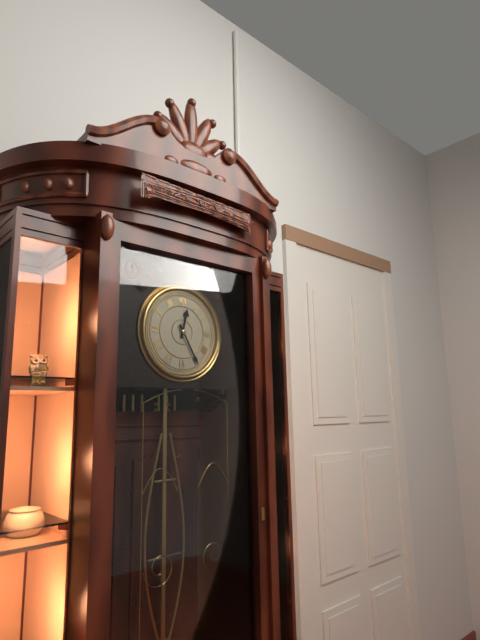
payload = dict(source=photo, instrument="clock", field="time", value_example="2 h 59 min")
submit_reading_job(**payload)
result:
12 h 25 min
